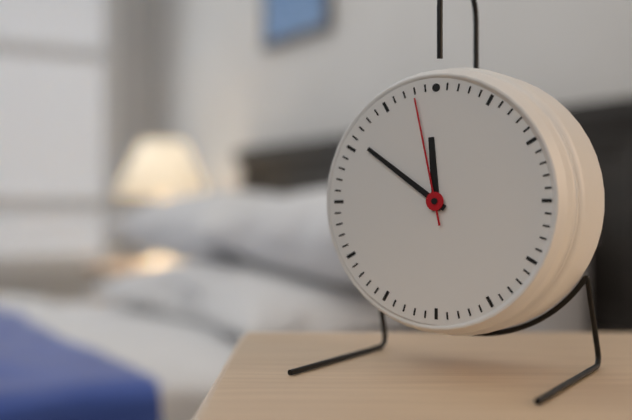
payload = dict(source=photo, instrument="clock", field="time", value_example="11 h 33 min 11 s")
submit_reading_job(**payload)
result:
11 h 51 min 58 s
